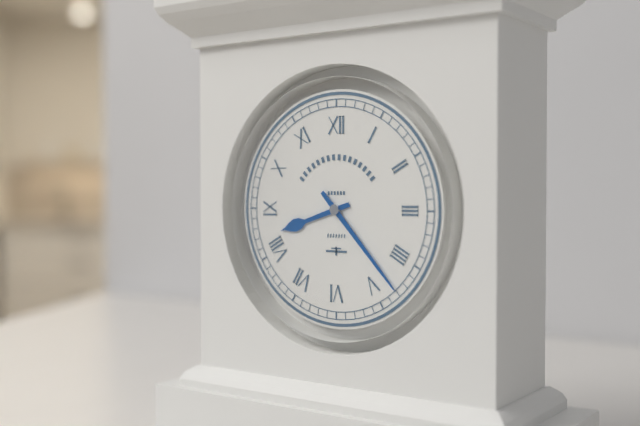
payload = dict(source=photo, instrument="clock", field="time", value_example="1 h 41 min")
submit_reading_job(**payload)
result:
8 h 23 min
